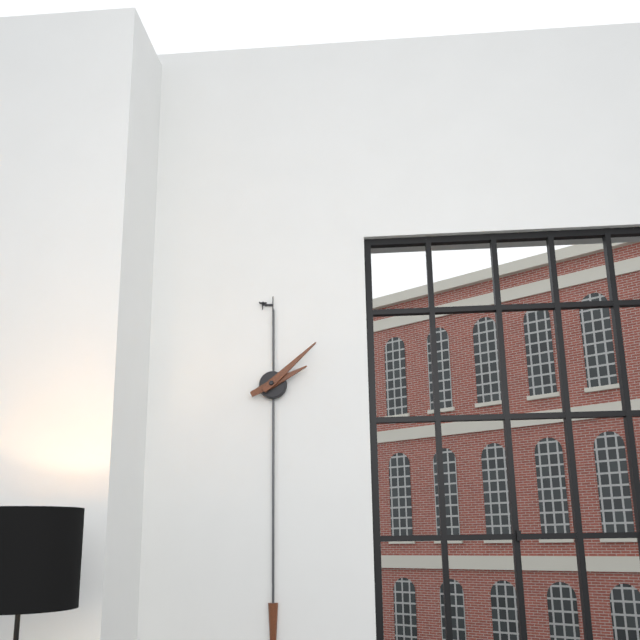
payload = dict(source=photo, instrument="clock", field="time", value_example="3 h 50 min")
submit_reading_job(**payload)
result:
2 h 08 min
